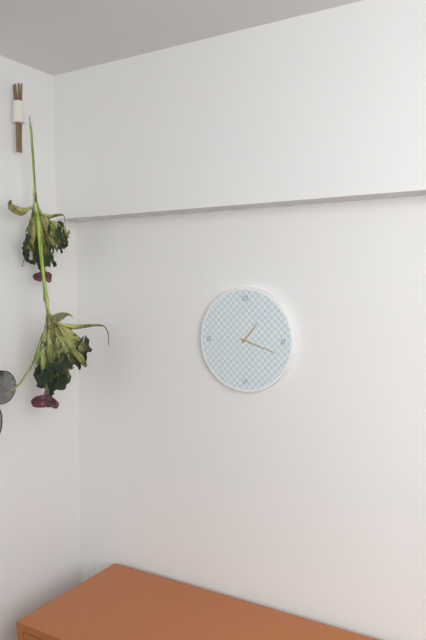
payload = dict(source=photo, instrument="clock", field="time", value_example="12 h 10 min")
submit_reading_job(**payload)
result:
1 h 18 min
